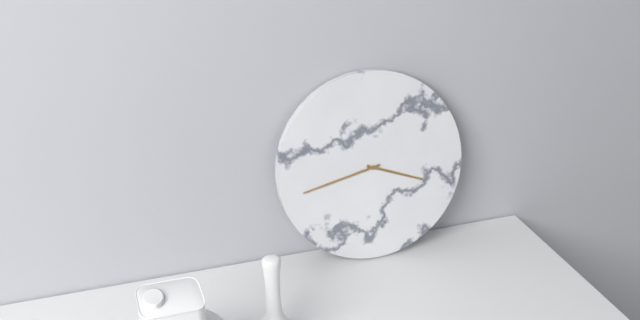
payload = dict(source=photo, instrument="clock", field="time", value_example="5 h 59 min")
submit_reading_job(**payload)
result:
3 h 43 min
